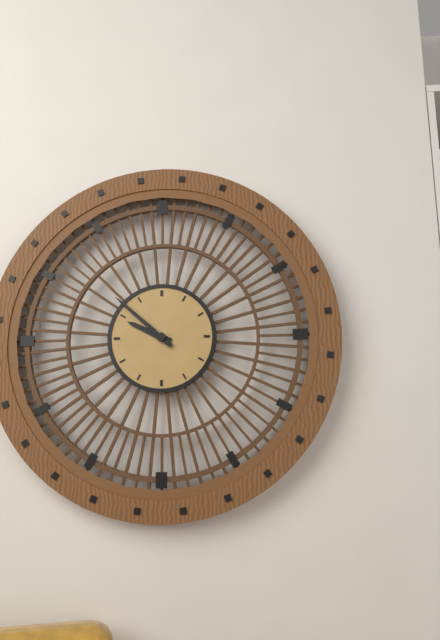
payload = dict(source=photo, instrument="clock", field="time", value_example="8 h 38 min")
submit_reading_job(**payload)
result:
9 h 52 min
